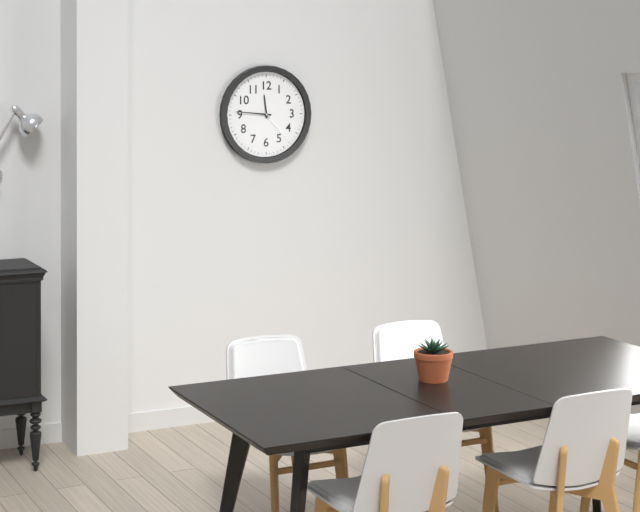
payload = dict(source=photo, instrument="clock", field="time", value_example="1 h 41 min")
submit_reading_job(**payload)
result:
11 h 46 min
